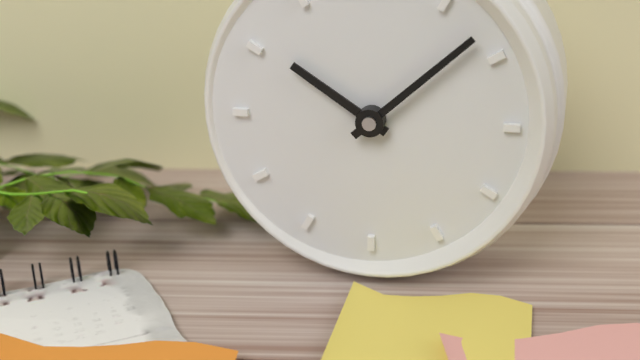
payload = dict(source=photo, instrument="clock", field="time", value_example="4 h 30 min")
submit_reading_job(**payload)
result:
10 h 08 min
